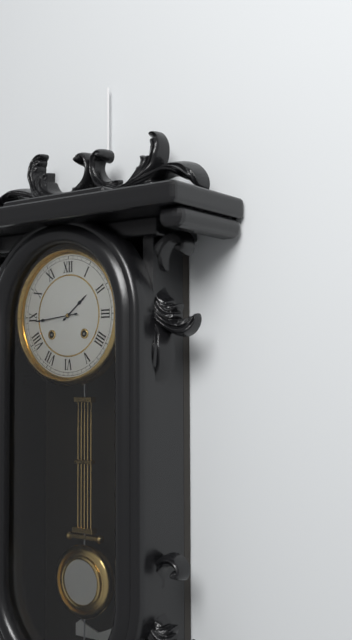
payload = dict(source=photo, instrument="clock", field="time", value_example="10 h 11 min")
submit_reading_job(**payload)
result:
1 h 44 min
